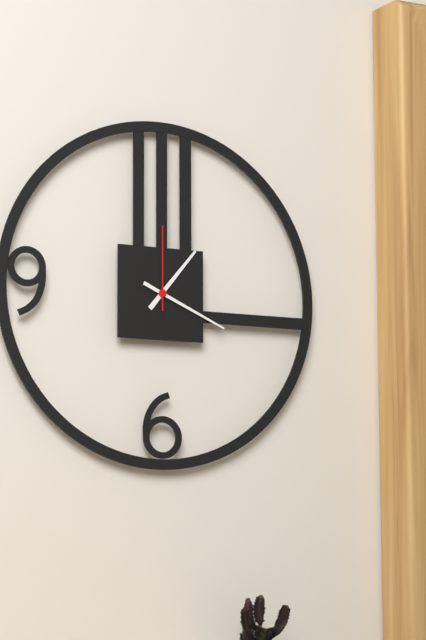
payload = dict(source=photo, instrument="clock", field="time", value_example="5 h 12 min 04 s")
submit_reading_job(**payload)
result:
1 h 19 min 00 s
